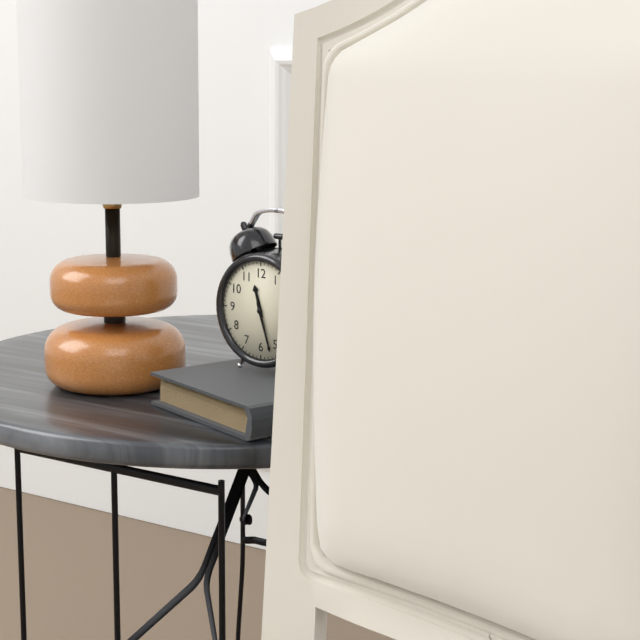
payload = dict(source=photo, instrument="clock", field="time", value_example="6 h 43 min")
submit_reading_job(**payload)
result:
11 h 27 min
